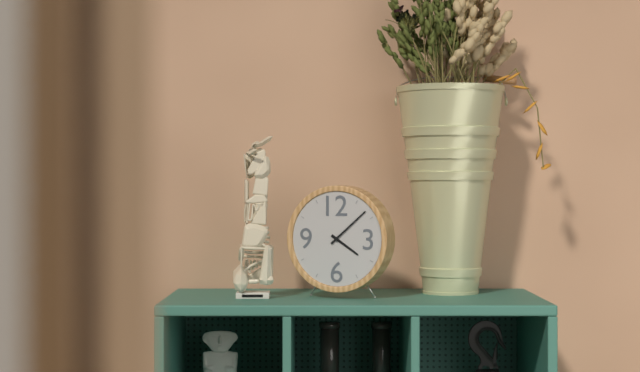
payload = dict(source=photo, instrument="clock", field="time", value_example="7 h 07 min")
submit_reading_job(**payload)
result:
4 h 08 min
